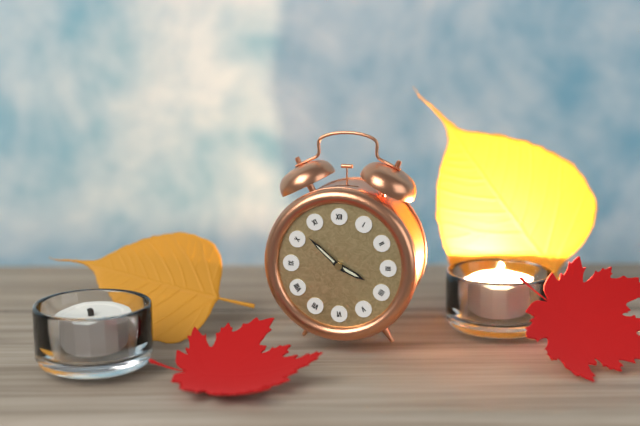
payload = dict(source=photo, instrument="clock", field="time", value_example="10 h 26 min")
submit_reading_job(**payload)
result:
3 h 52 min
